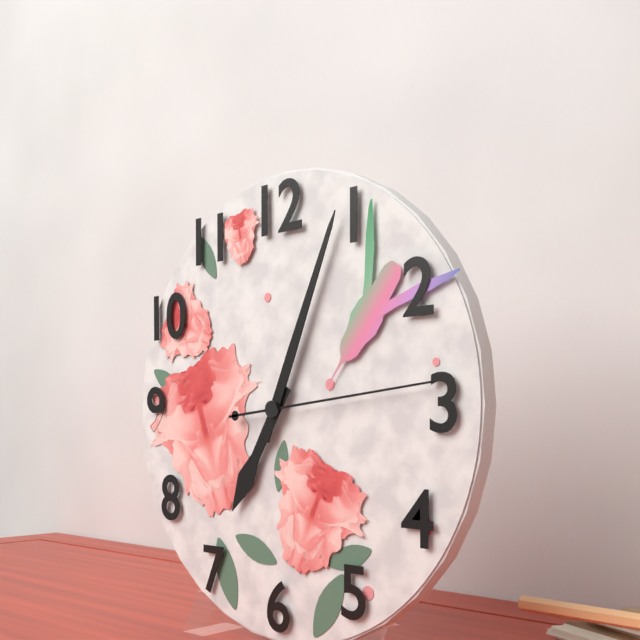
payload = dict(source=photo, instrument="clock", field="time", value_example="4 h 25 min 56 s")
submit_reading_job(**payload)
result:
7 h 04 min 14 s
